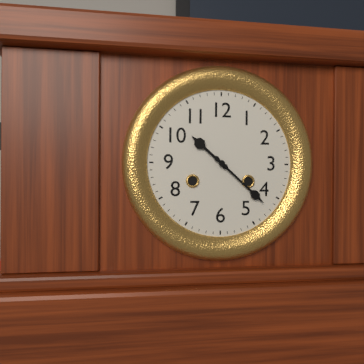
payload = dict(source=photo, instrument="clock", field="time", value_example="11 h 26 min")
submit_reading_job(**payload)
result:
10 h 22 min
